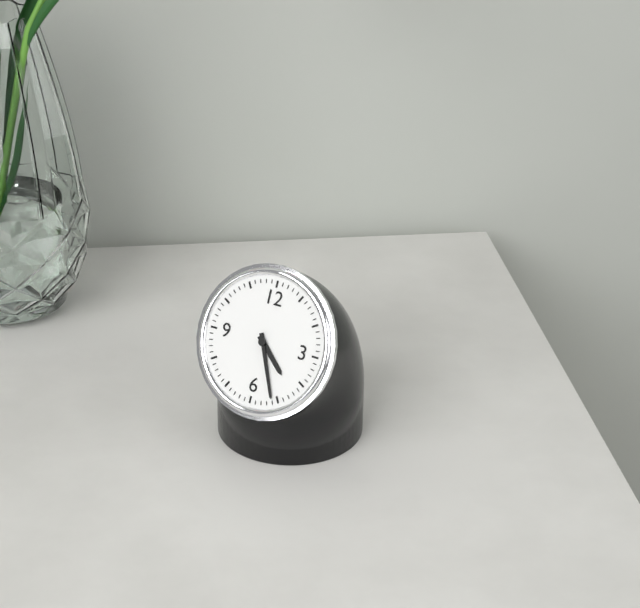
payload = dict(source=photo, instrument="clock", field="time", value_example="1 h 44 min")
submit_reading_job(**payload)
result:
4 h 26 min
